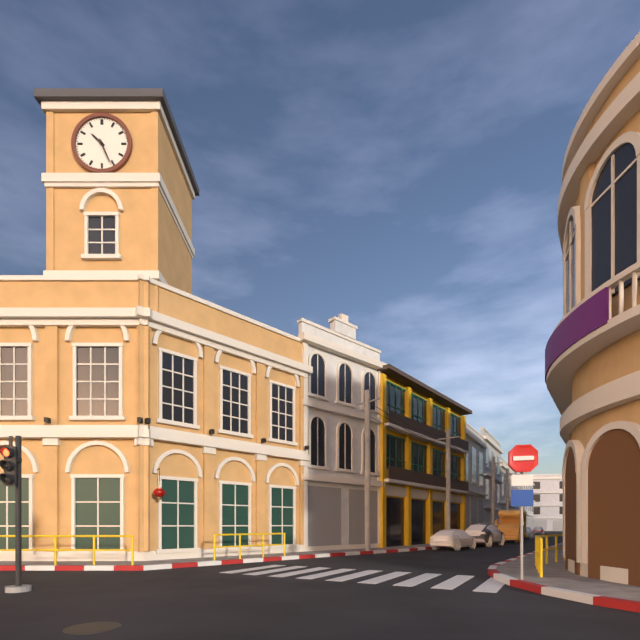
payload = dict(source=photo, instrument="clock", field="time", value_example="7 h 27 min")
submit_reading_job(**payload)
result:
10 h 26 min
